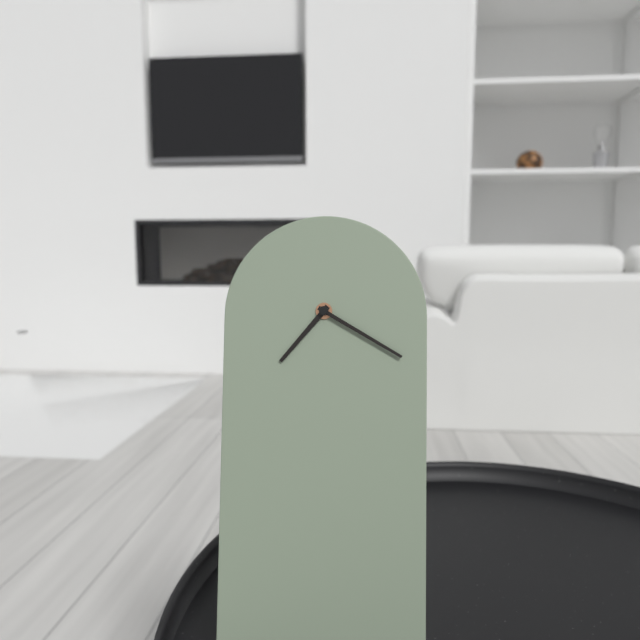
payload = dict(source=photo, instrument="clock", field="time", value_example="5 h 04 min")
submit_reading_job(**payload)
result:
7 h 20 min
